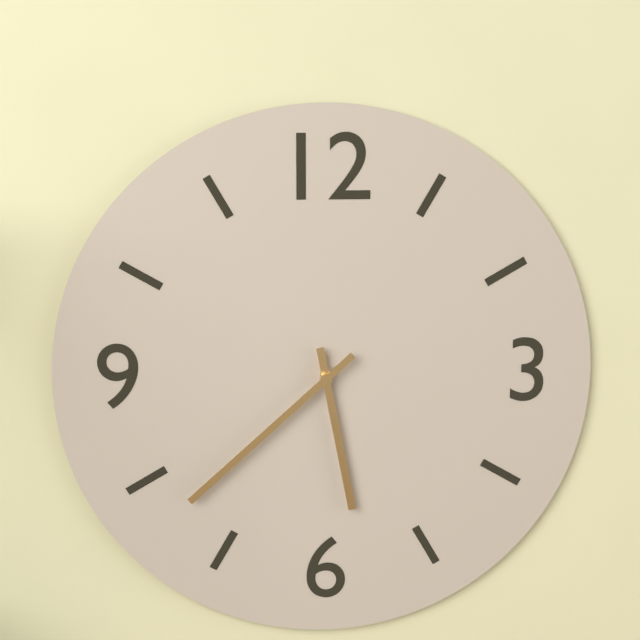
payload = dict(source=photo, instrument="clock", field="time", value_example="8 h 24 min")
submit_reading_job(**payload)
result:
5 h 38 min
